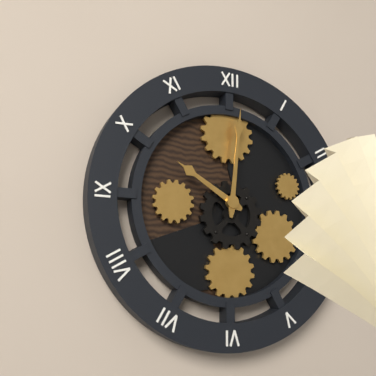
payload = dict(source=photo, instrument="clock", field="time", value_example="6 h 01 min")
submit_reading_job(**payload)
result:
10 h 01 min
